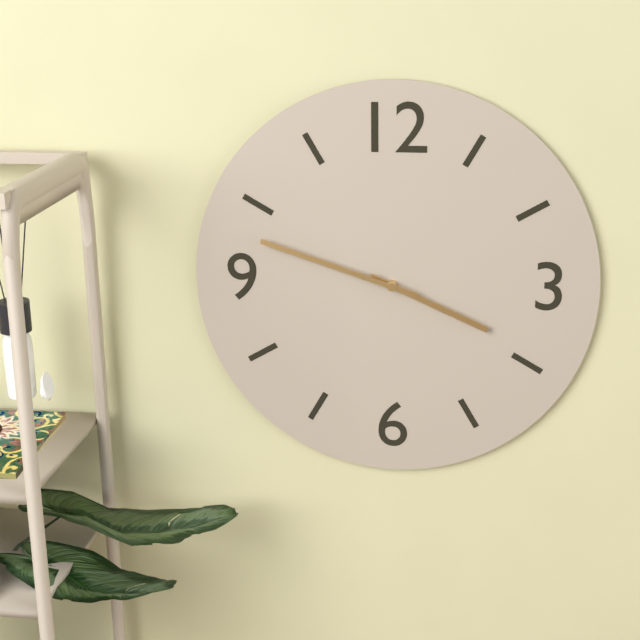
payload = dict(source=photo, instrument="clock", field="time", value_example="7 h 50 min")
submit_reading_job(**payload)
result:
3 h 48 min
